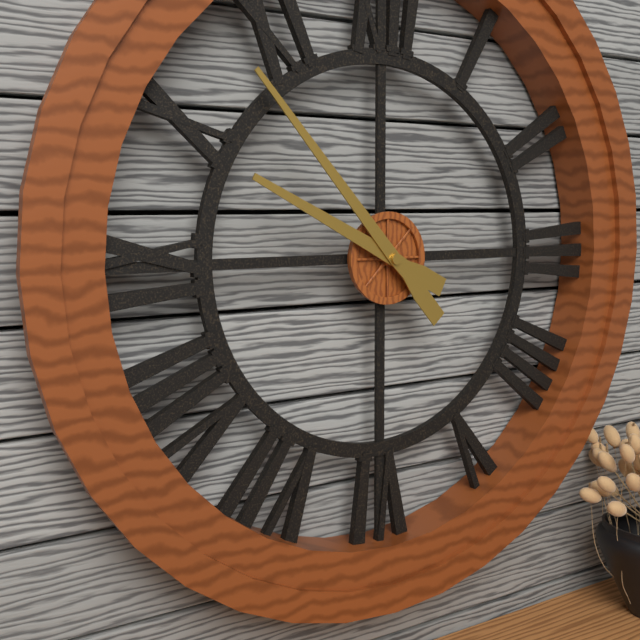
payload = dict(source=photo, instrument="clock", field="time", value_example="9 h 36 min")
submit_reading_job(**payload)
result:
9 h 53 min
